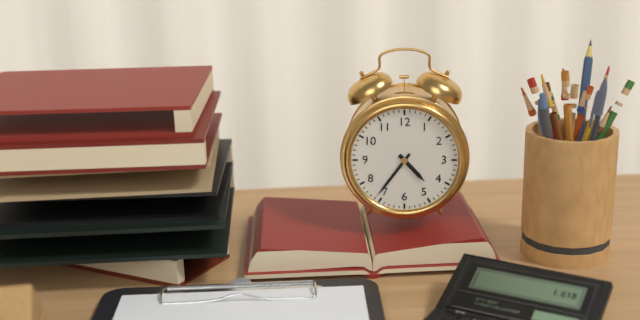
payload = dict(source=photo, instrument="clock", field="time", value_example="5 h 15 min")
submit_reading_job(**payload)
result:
4 h 36 min
